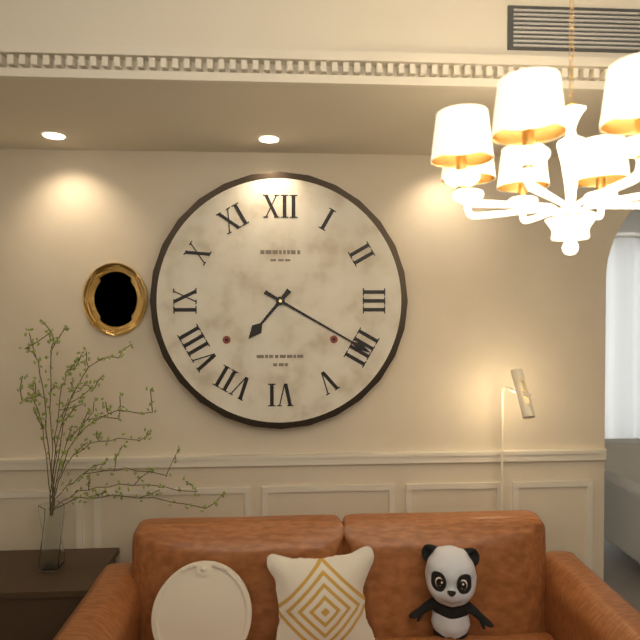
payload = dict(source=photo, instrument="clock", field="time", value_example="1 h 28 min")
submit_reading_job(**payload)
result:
7 h 20 min
